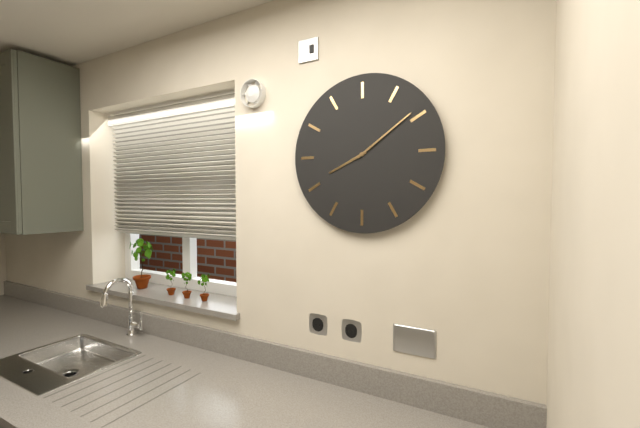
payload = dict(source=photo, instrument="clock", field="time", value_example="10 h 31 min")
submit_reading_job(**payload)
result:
8 h 09 min
